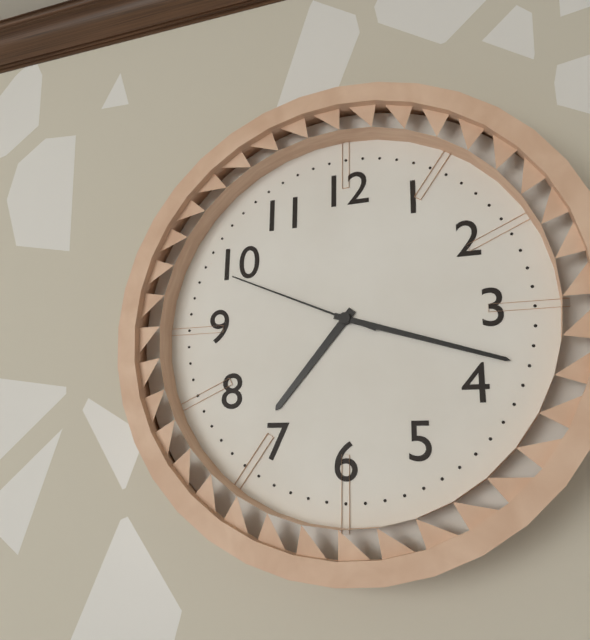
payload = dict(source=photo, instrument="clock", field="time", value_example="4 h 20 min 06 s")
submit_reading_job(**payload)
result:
7 h 18 min 49 s
